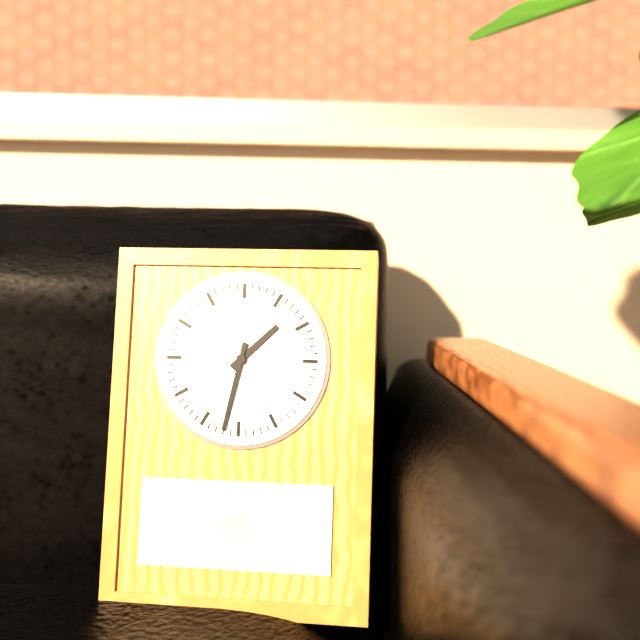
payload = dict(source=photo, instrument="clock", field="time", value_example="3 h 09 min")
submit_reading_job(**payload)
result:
1 h 32 min
